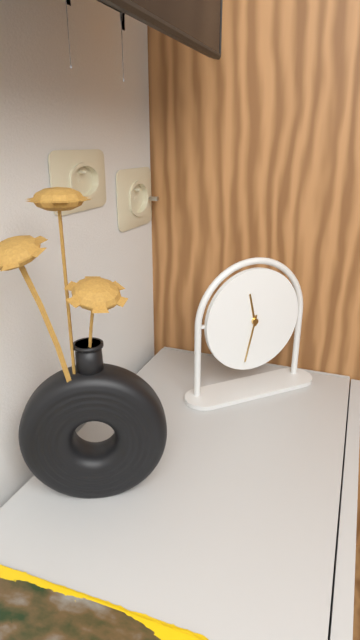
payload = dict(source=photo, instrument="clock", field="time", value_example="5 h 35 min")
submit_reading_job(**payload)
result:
11 h 32 min
